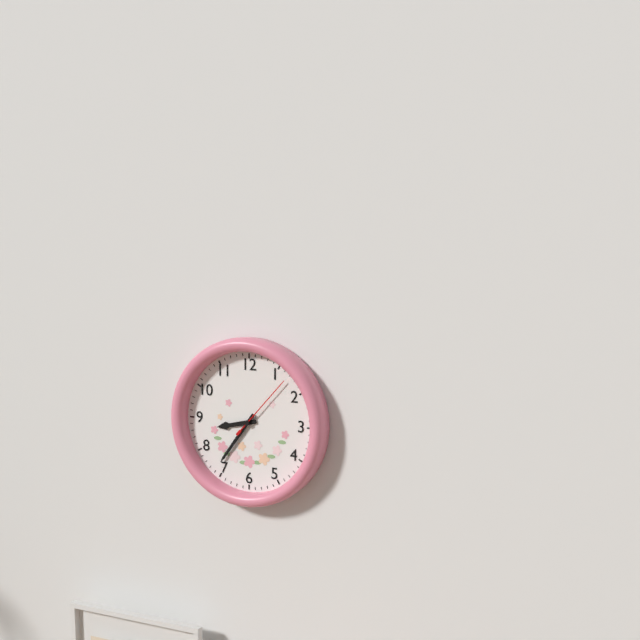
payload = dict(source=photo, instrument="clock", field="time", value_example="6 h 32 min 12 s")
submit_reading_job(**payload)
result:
8 h 36 min 07 s
